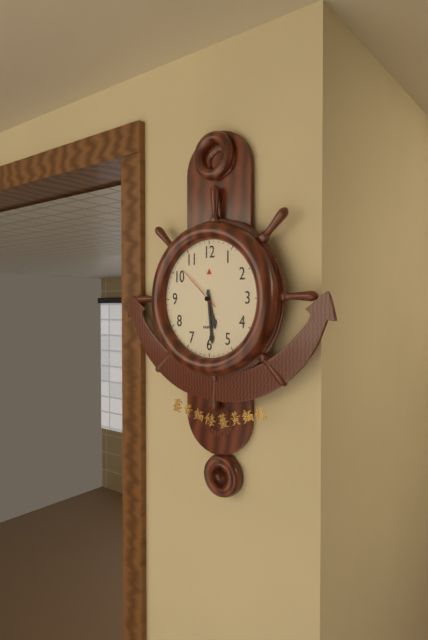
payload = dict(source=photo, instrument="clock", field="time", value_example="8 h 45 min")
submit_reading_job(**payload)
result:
5 h 29 min
